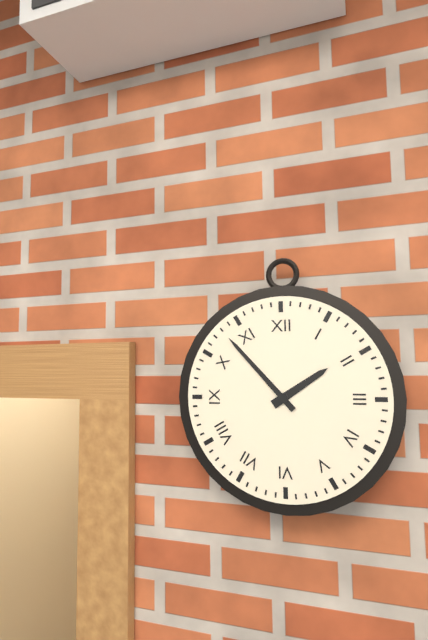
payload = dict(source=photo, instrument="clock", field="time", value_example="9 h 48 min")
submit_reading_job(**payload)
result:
1 h 53 min
